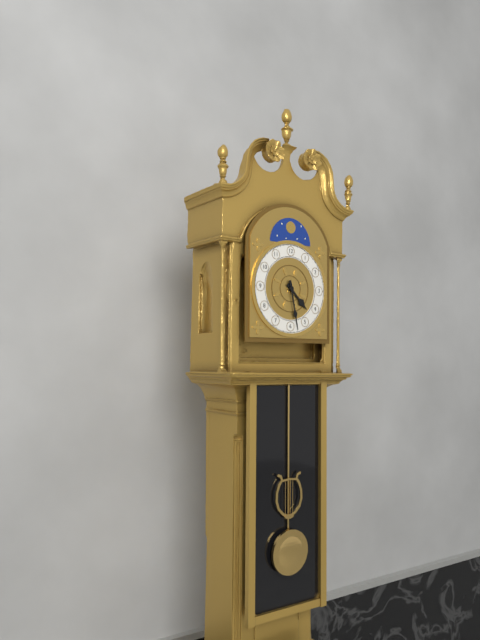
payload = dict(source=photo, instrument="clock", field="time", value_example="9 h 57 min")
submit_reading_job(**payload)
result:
4 h 28 min
